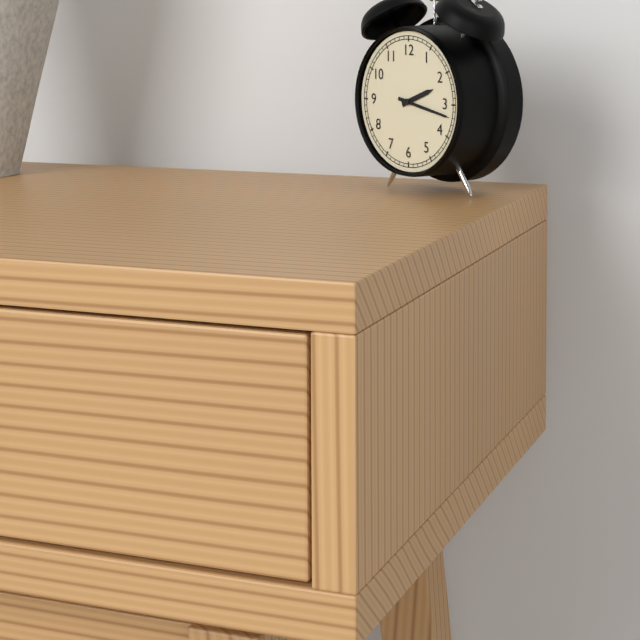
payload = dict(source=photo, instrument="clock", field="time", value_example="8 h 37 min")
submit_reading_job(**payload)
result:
2 h 17 min
